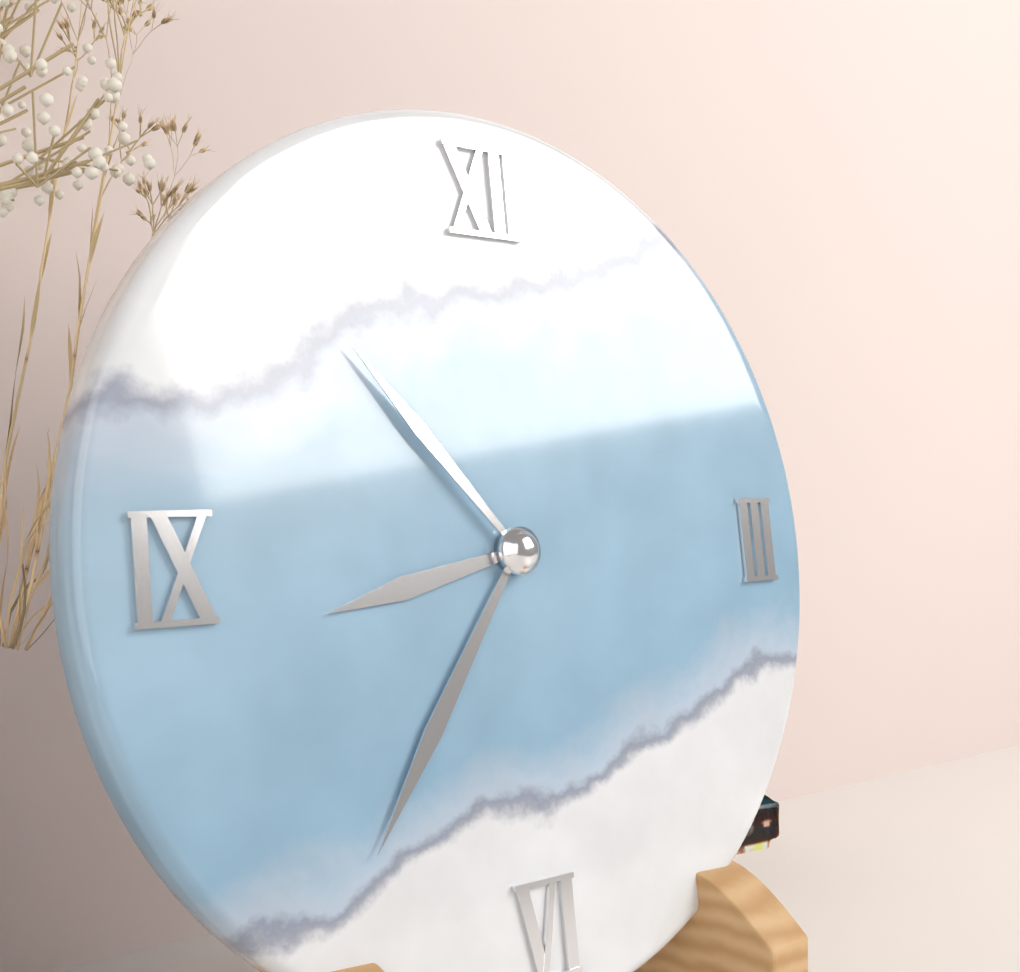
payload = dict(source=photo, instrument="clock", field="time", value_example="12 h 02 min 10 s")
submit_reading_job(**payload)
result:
8 h 36 min 53 s
